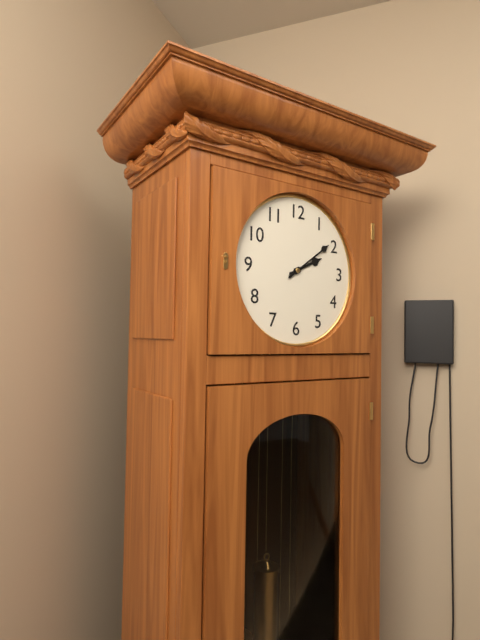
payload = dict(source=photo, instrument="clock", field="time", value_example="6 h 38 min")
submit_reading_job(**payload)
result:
2 h 09 min
